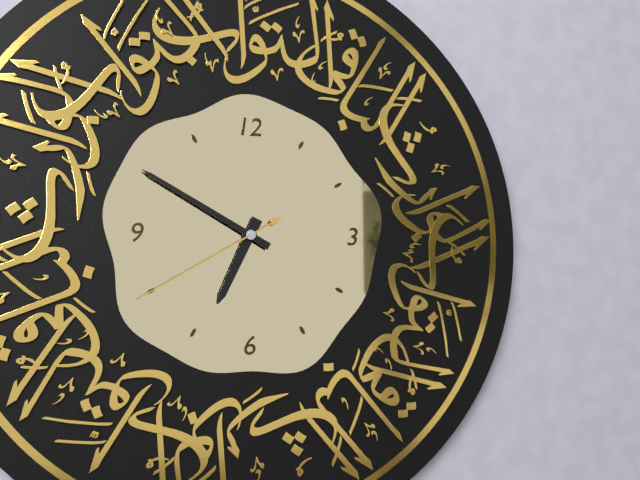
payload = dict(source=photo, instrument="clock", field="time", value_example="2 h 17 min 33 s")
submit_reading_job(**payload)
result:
6 h 50 min 40 s
